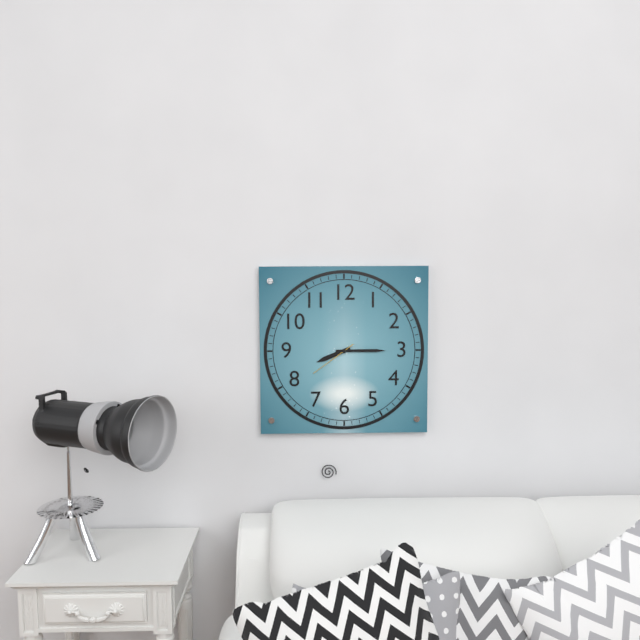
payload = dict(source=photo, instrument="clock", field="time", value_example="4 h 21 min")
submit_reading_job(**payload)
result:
8 h 15 min
